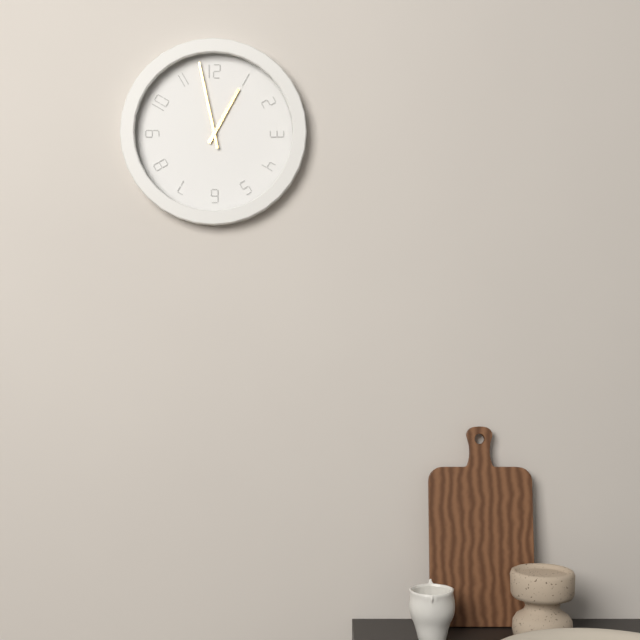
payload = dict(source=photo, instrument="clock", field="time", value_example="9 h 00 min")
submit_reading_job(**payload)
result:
12 h 58 min
